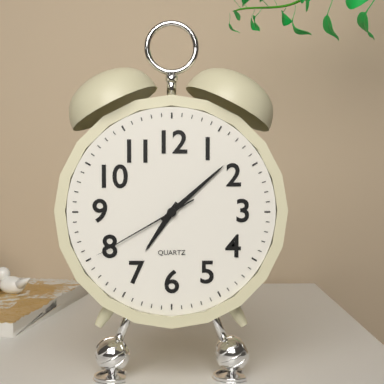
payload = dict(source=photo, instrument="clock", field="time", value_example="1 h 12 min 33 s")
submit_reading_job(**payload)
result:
7 h 08 min 40 s
